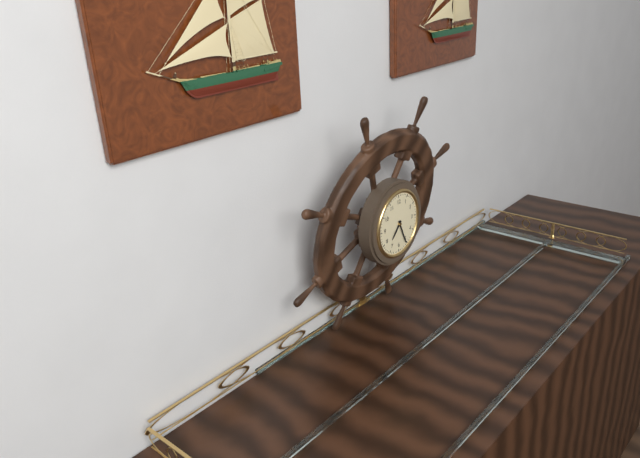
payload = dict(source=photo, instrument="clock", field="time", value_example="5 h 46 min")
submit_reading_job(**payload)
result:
7 h 26 min
